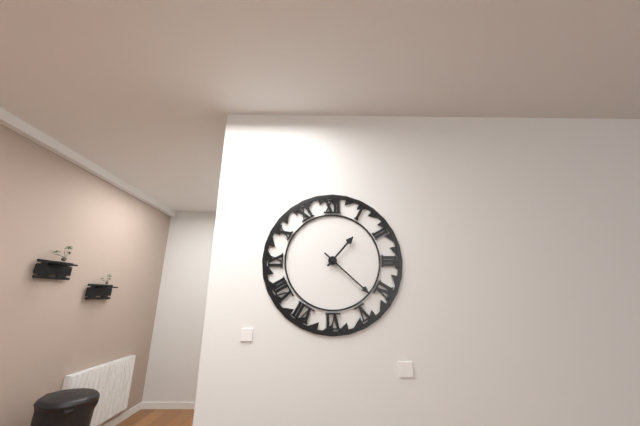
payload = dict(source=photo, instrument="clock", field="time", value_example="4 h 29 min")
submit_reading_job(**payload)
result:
1 h 22 min
